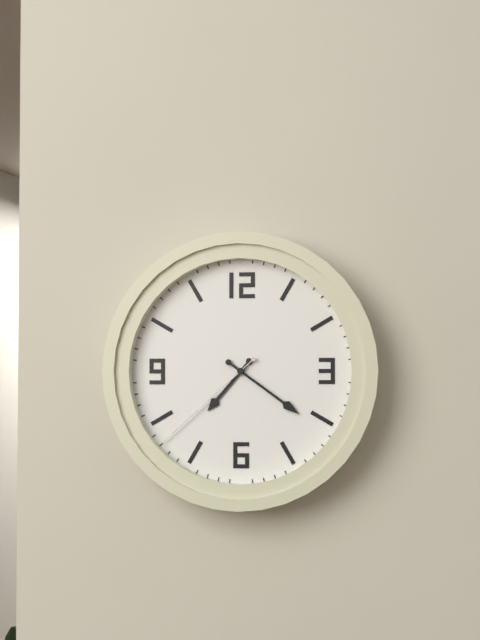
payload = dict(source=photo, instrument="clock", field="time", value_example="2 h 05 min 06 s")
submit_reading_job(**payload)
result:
7 h 21 min 38 s
